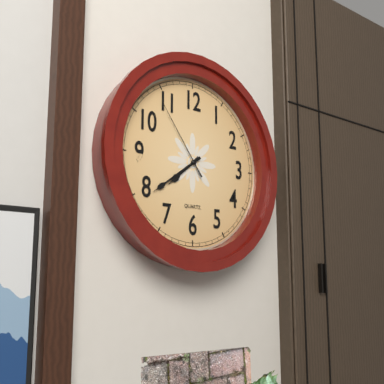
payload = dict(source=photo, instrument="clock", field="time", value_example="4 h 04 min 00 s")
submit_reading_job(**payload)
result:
7 h 39 min 54 s
